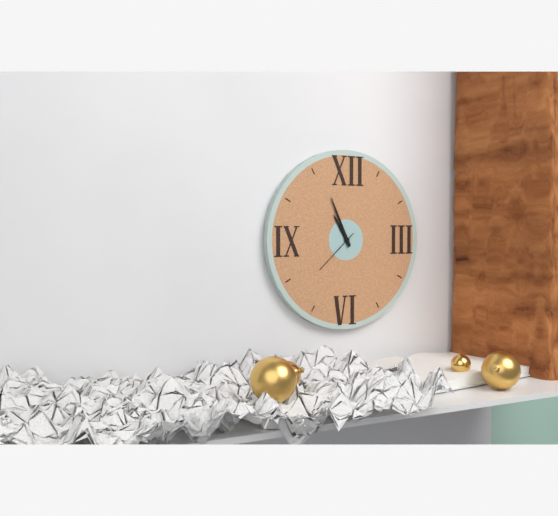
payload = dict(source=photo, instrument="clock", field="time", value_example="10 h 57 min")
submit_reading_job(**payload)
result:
10 h 56 min
